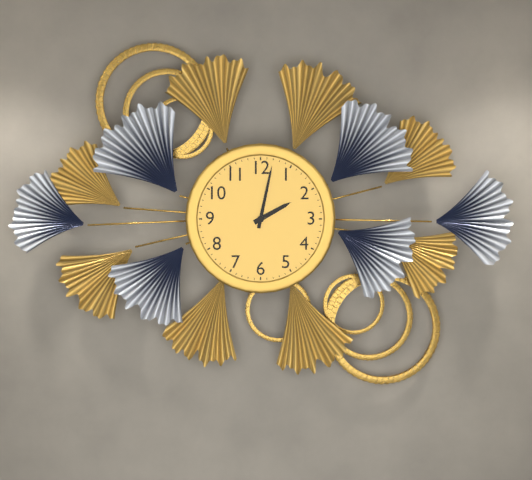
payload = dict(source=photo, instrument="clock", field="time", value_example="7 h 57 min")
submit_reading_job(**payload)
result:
2 h 02 min
